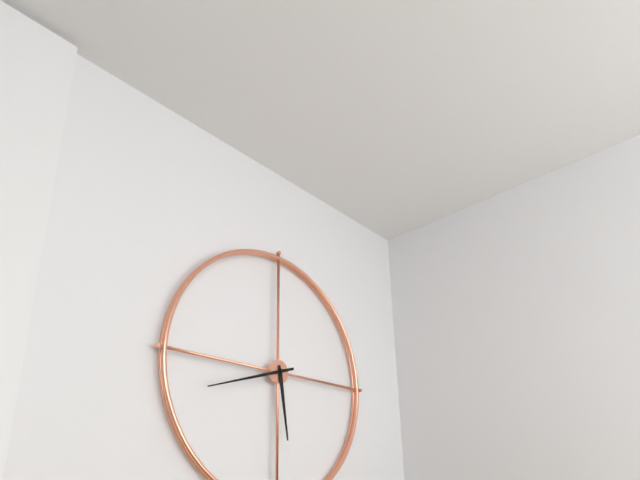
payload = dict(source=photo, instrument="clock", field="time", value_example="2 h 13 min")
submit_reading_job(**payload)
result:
5 h 42 min
